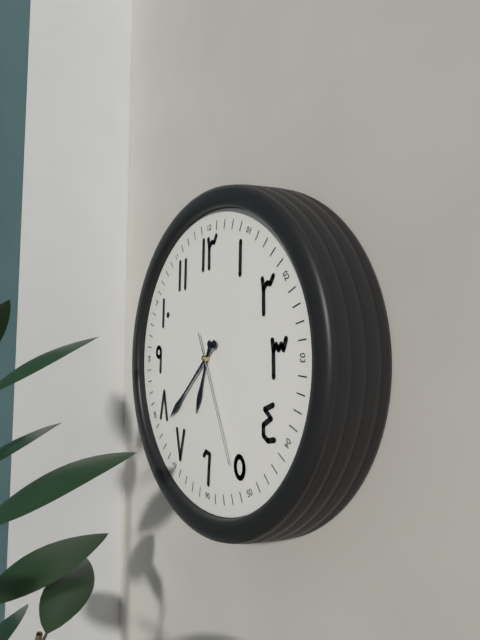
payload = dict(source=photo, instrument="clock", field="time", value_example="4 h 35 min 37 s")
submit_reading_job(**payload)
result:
6 h 38 min 26 s
